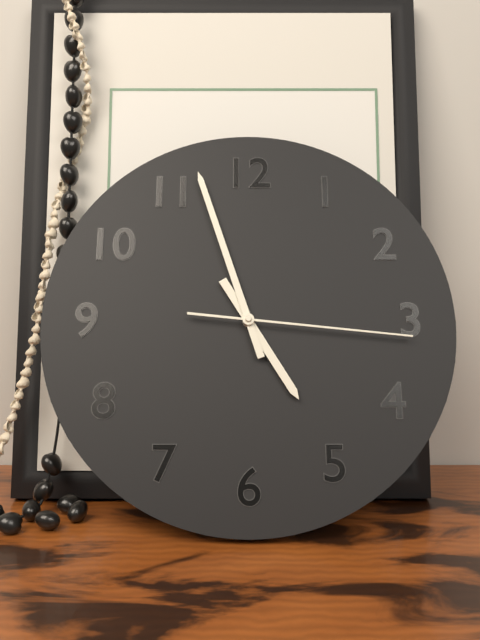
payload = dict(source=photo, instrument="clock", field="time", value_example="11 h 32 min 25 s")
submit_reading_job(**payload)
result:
4 h 57 min 16 s
